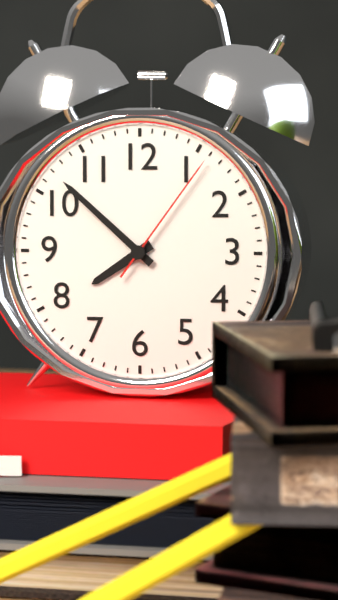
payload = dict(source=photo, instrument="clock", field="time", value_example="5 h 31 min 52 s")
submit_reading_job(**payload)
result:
7 h 52 min 06 s
